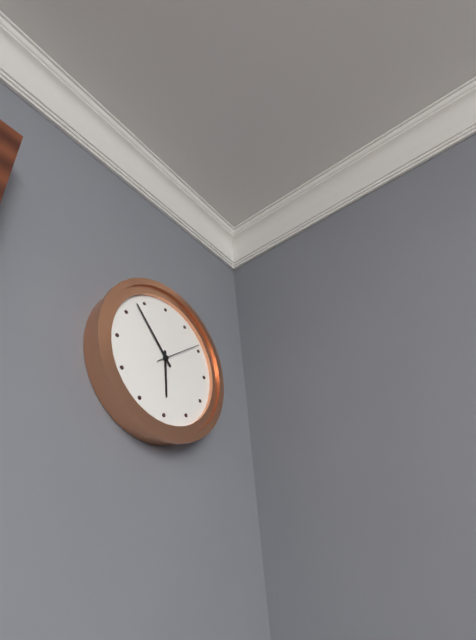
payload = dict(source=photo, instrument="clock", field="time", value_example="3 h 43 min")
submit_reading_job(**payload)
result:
5 h 53 min
